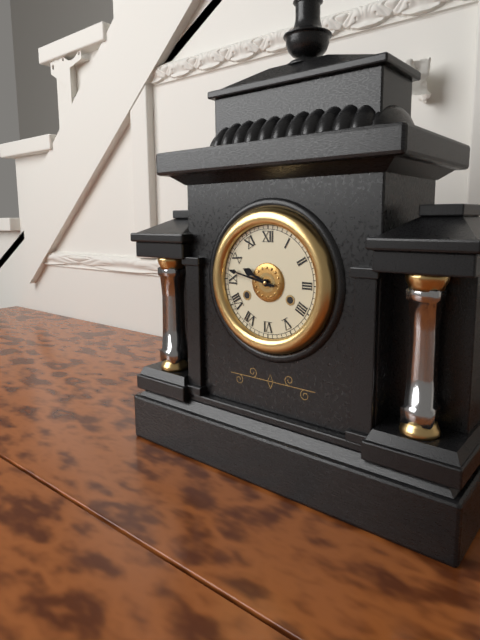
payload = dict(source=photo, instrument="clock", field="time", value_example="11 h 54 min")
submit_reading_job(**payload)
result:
9 h 47 min
